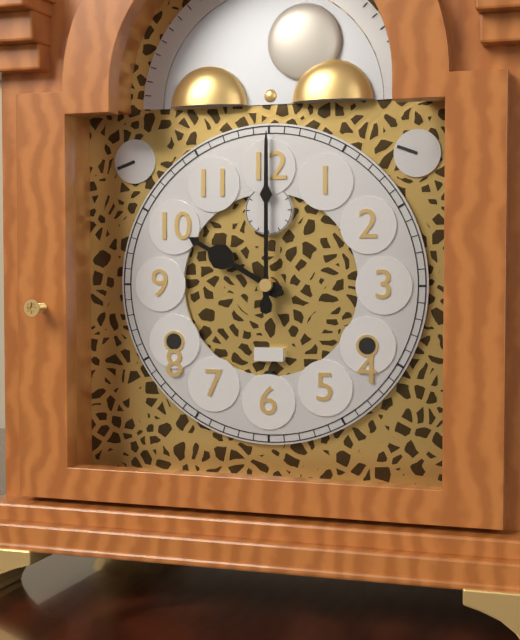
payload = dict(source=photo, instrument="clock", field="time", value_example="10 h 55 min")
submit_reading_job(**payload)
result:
10 h 00 min
